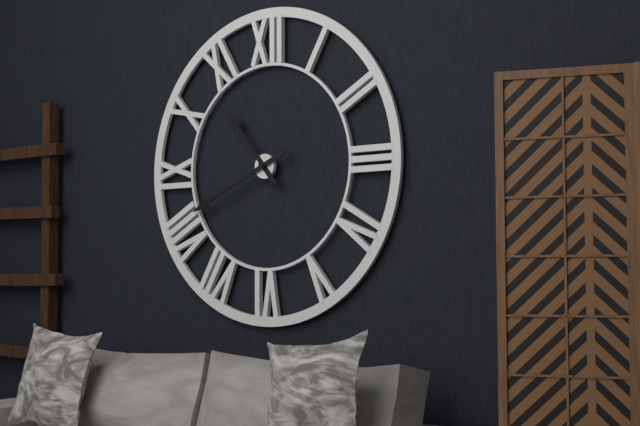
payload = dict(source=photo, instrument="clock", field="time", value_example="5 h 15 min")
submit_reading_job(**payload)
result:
10 h 41 min
